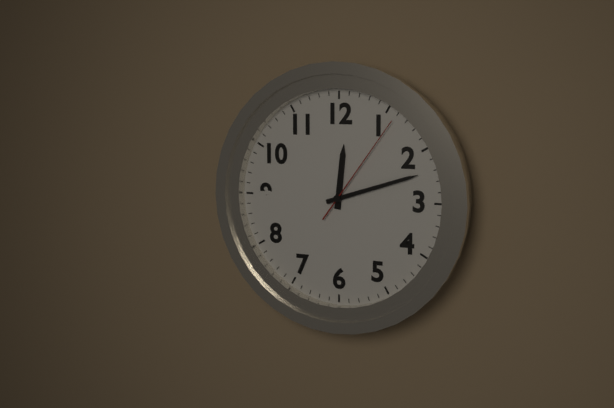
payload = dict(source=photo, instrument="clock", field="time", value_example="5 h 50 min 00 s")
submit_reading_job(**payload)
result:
12 h 12 min 06 s
